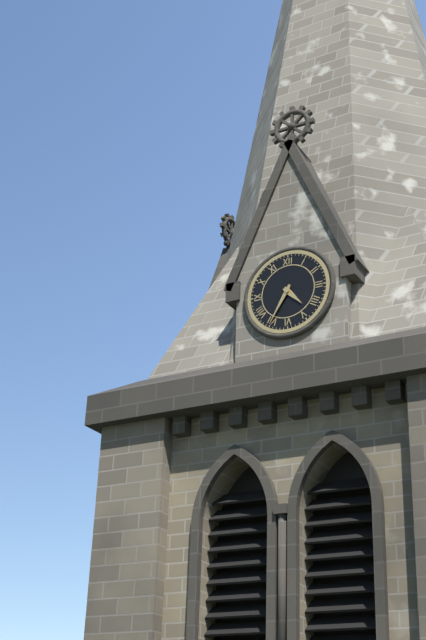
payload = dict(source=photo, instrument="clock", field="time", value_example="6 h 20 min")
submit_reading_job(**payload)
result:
4 h 35 min
